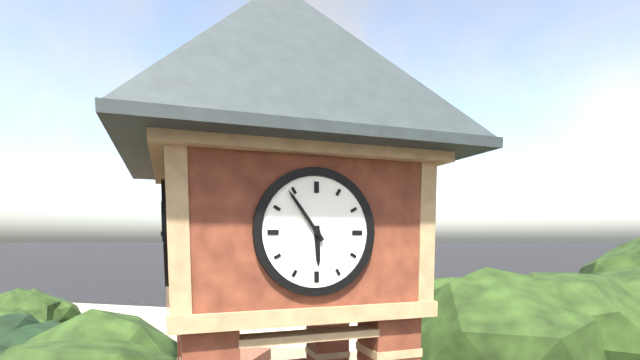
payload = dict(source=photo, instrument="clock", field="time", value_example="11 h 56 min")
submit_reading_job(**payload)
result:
5 h 54 min
